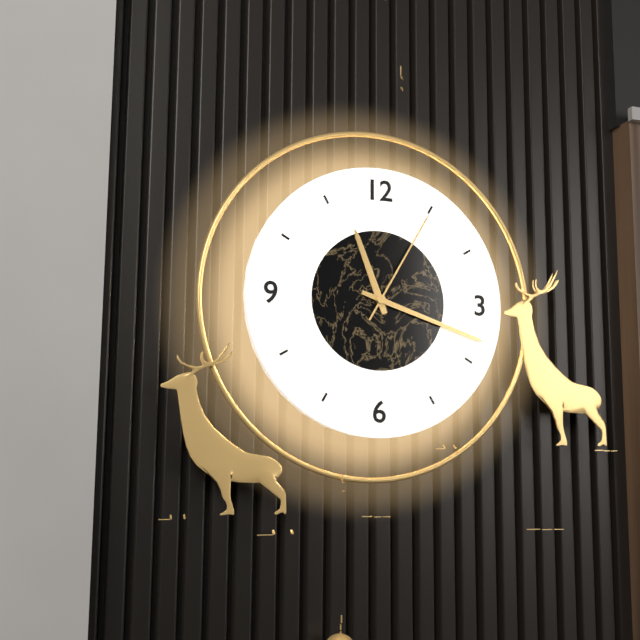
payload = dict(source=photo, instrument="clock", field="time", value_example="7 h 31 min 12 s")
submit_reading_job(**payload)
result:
11 h 18 min 05 s
